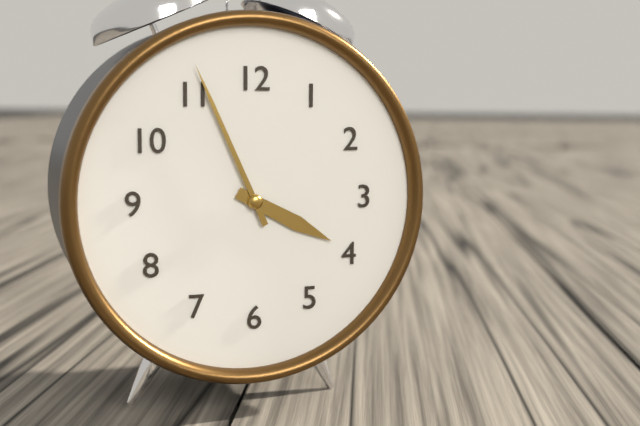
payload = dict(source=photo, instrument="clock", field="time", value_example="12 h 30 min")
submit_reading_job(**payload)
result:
3 h 56 min
